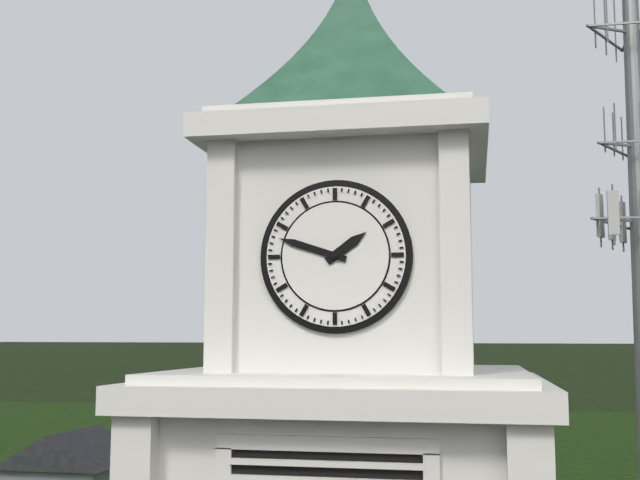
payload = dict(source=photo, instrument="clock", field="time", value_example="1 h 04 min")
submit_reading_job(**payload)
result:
1 h 48 min
